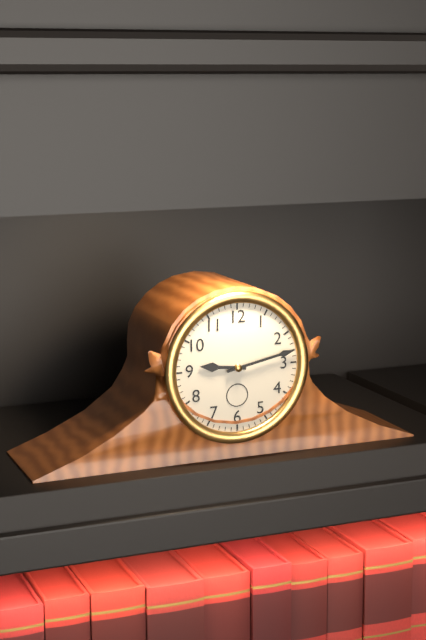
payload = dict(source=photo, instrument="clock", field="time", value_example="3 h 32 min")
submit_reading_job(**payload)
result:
9 h 13 min
